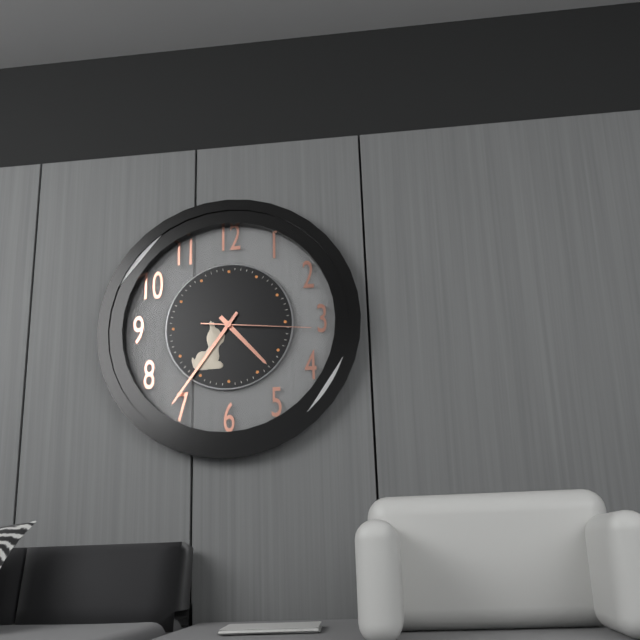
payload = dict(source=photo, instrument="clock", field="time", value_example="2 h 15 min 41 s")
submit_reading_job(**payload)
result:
4 h 36 min 16 s
